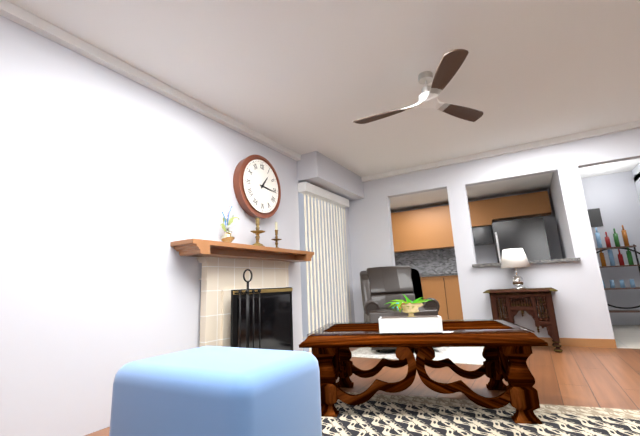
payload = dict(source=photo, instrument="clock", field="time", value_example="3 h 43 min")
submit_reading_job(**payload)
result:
1 h 16 min
